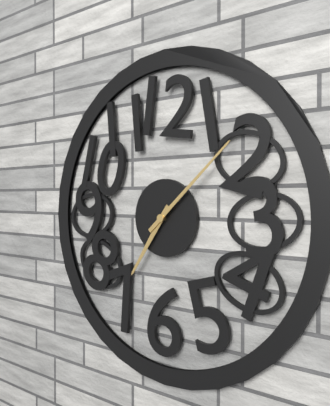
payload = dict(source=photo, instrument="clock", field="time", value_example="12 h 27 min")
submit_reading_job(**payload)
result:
7 h 08 min
